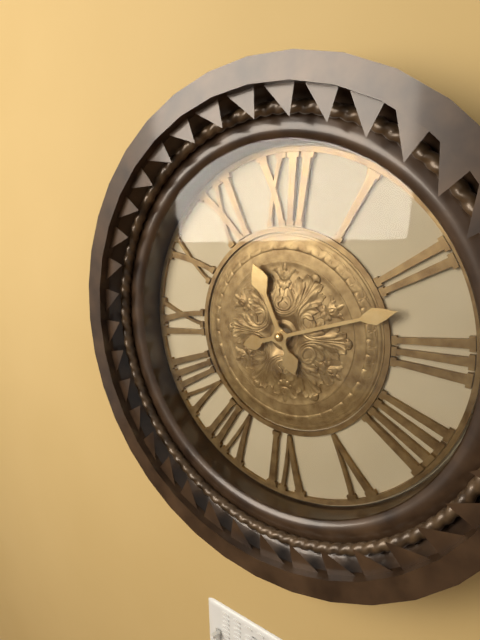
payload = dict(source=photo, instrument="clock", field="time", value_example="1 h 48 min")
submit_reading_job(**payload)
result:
11 h 12 min
